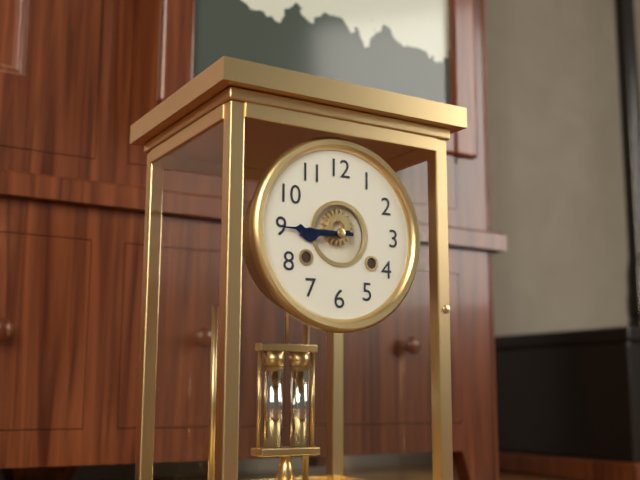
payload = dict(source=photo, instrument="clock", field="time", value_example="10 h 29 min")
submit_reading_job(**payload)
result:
8 h 45 min
